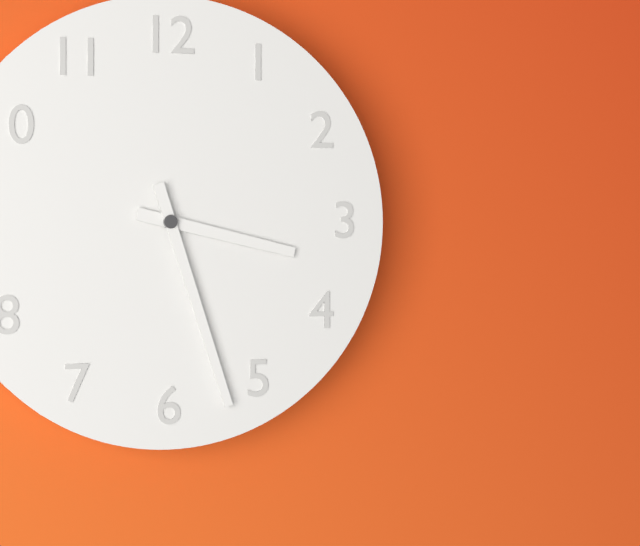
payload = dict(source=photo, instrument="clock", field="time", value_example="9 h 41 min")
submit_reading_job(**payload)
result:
3 h 27 min
